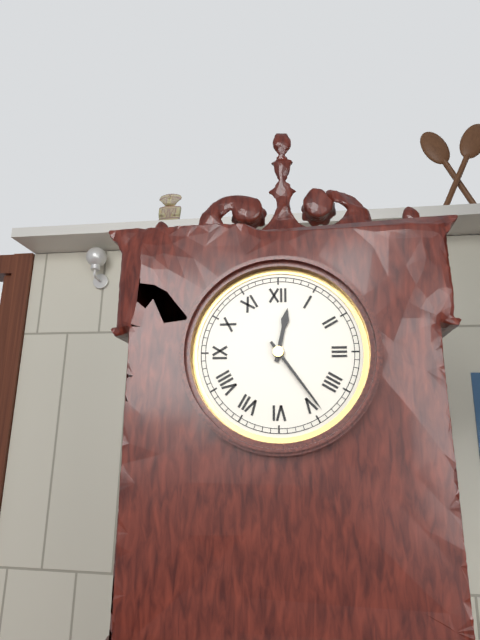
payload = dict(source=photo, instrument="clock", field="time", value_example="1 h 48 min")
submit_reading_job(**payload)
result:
12 h 24 min
